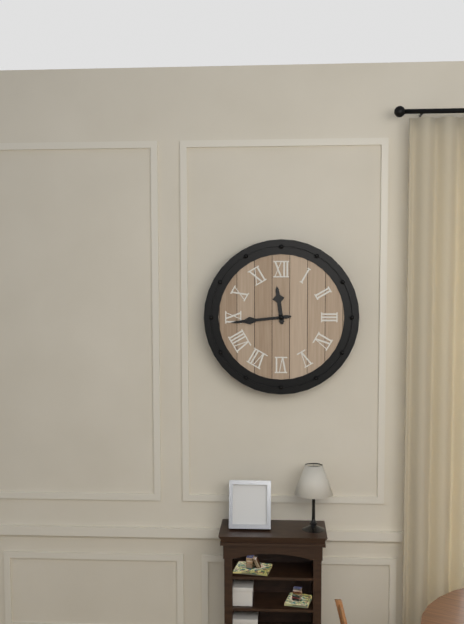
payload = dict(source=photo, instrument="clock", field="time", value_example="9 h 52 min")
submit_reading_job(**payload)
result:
11 h 44 min
